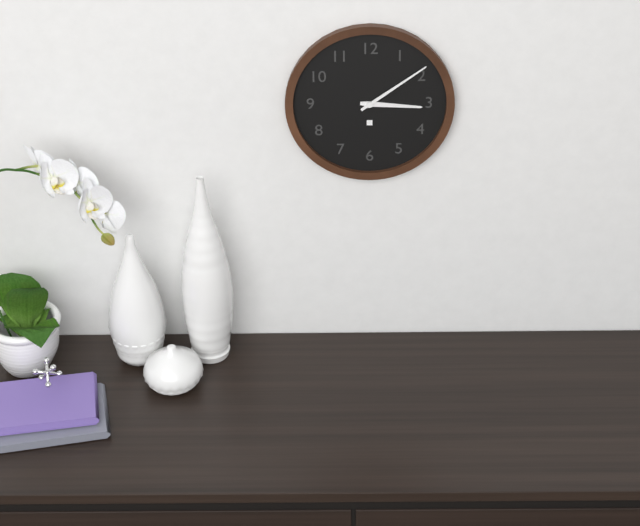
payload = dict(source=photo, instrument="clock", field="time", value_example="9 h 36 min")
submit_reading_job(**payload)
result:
3 h 09 min
